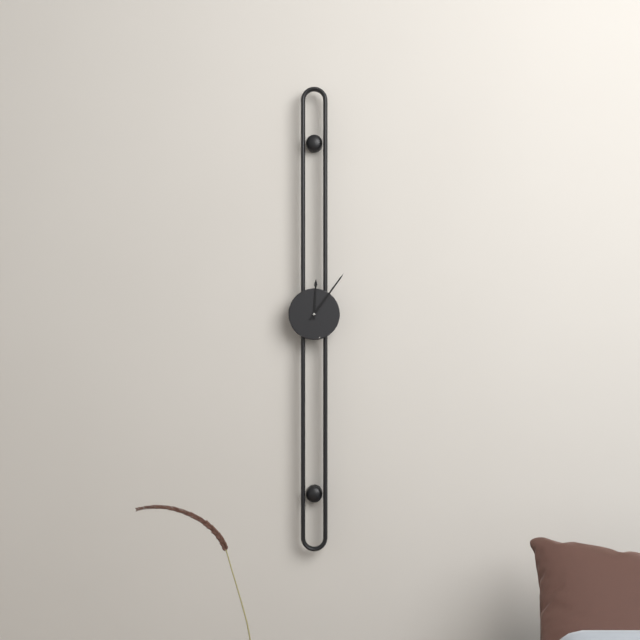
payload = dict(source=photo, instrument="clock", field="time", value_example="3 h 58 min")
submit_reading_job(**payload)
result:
12 h 06 min
